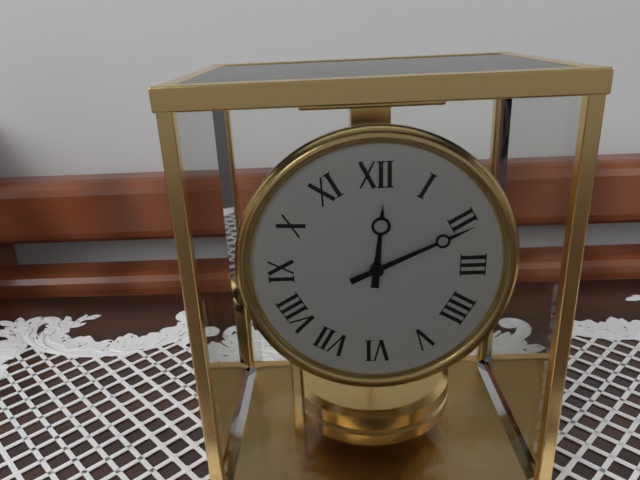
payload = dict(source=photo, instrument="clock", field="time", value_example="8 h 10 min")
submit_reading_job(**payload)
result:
12 h 11 min
